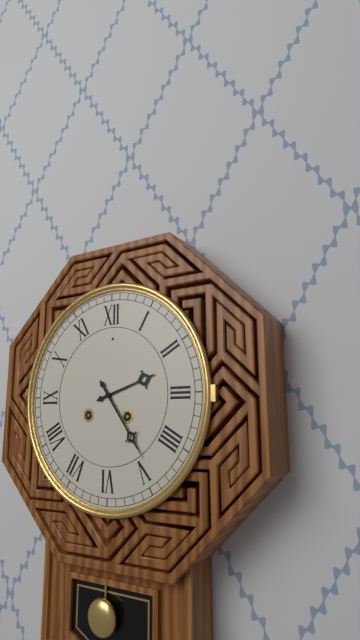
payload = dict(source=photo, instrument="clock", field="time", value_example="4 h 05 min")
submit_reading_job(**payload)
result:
2 h 24 min
